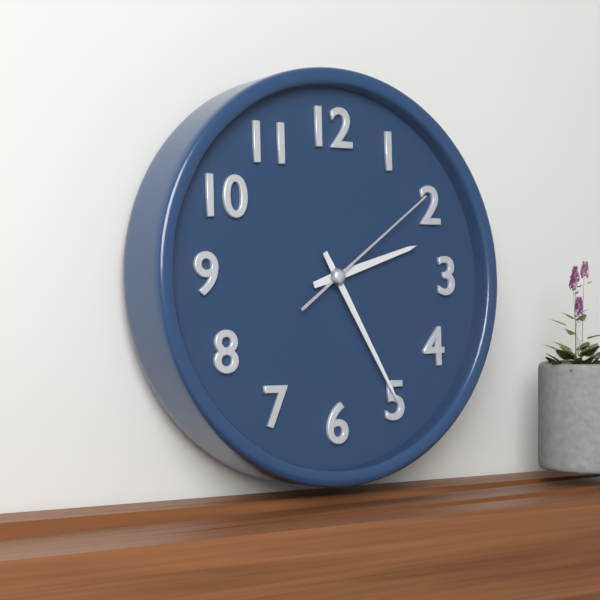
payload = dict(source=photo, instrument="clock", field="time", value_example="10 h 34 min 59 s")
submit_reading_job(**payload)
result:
2 h 25 min 09 s
